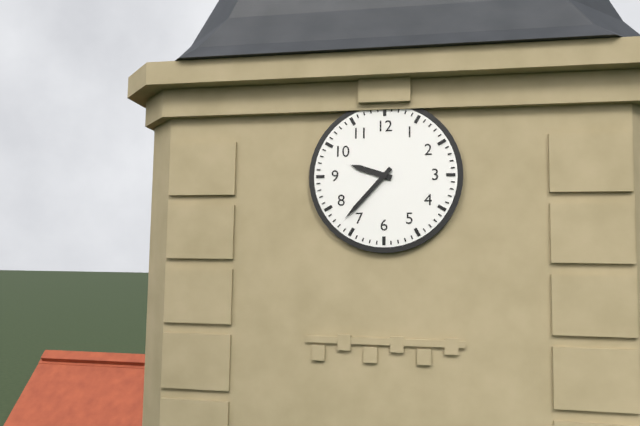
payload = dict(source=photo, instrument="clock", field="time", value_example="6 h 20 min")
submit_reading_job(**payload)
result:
9 h 37 min
